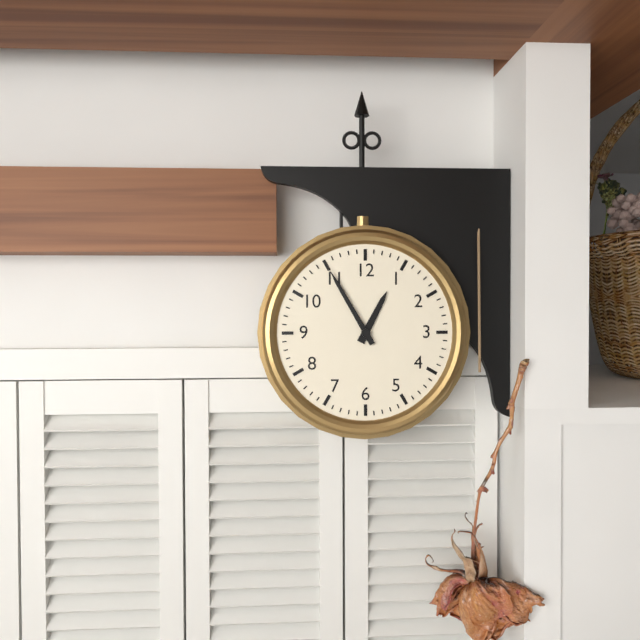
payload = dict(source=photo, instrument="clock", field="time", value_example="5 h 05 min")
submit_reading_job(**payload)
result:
12 h 55 min
